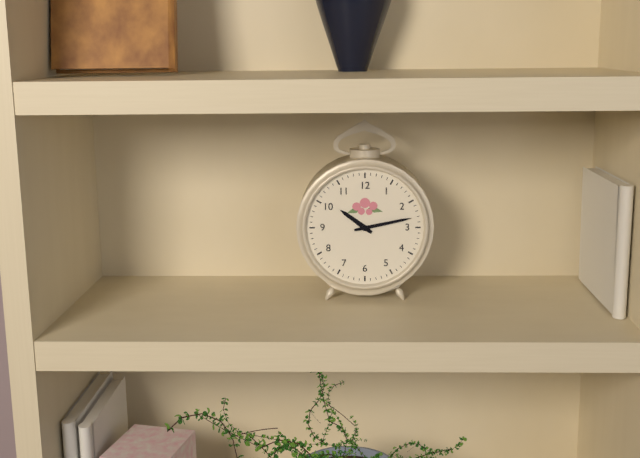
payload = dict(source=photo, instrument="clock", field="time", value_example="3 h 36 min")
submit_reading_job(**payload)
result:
10 h 13 min
